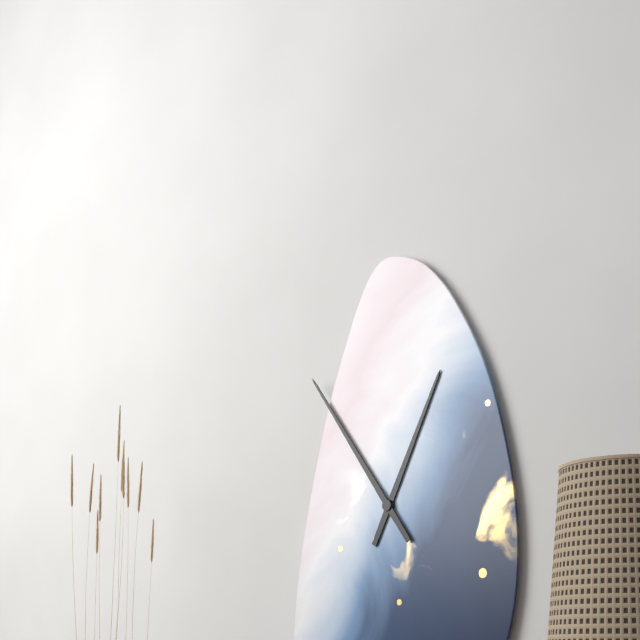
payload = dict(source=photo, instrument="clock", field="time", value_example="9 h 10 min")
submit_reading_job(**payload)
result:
12 h 54 min
